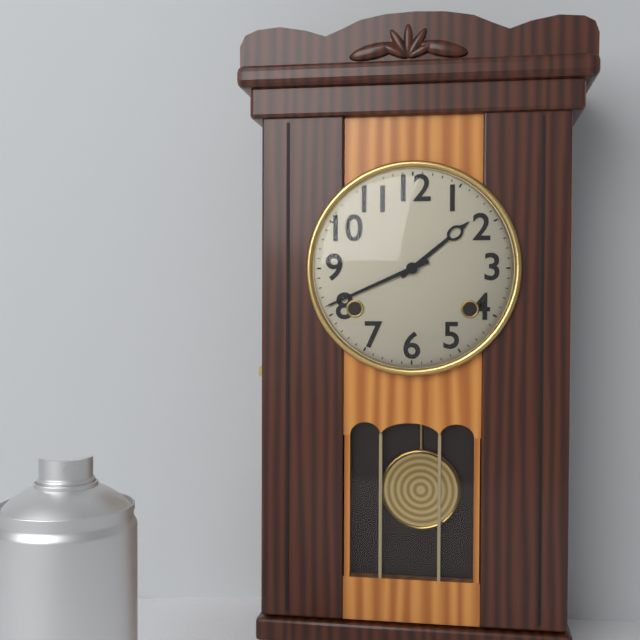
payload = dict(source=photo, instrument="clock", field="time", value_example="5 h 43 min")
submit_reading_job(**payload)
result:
1 h 41 min
